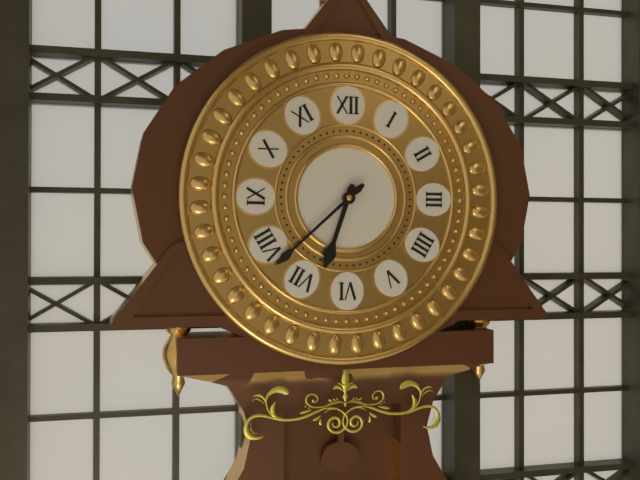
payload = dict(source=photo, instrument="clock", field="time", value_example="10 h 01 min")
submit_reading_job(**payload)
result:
6 h 38 min
